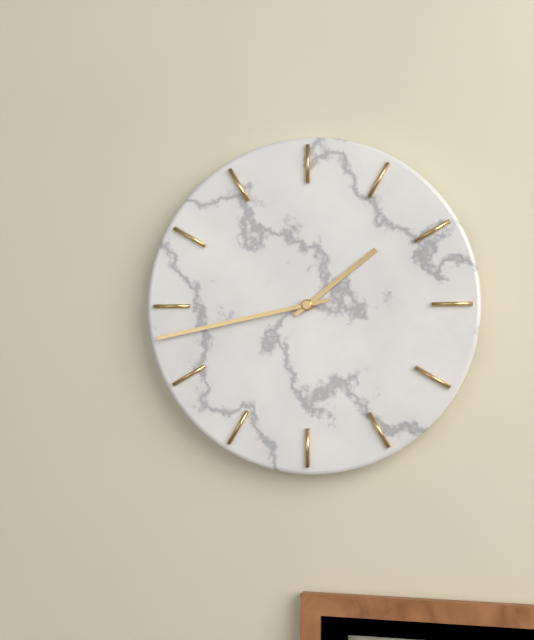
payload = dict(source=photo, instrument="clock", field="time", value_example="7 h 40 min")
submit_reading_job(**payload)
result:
1 h 43 min
